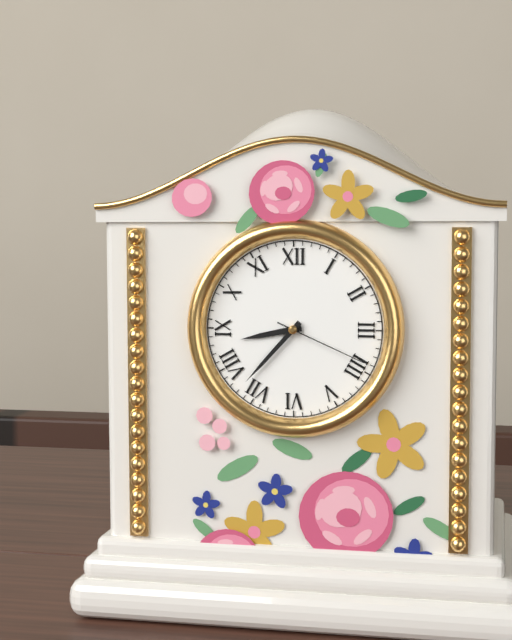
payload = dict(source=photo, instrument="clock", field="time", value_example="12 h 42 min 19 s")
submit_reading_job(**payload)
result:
8 h 37 min 19 s
